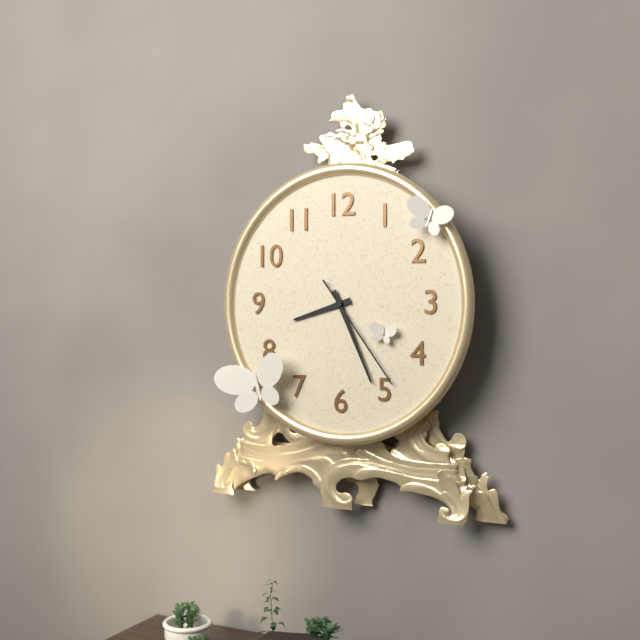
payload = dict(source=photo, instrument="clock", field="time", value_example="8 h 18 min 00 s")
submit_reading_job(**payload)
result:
8 h 26 min 24 s
